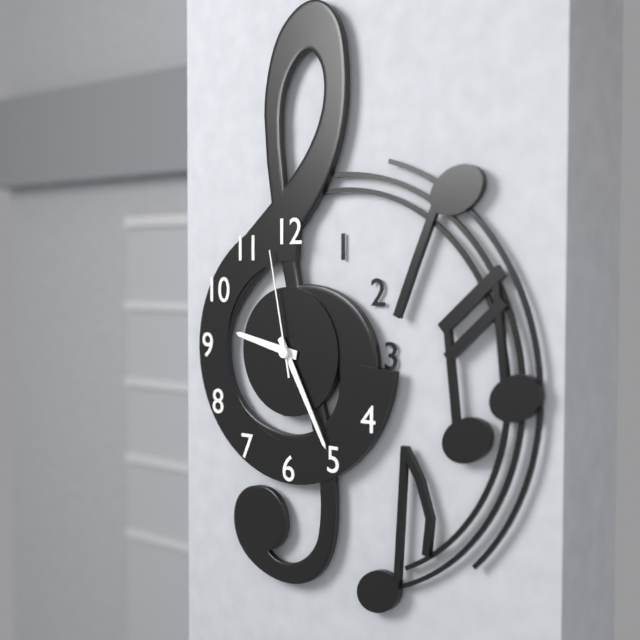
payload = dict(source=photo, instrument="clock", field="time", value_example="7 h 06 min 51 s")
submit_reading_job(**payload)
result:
9 h 25 min 58 s
